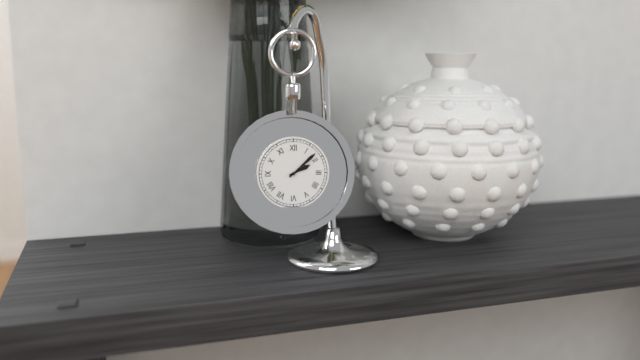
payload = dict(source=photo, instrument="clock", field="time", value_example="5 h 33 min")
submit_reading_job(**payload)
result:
2 h 08 min
